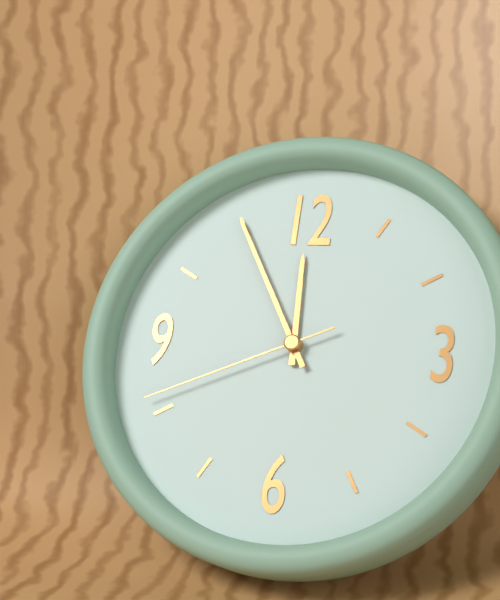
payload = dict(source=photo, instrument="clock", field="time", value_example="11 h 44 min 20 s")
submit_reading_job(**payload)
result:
11 h 55 min 41 s
